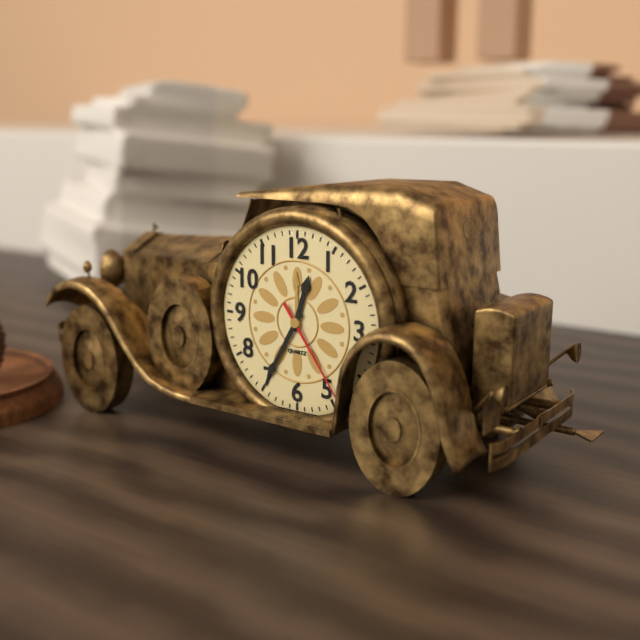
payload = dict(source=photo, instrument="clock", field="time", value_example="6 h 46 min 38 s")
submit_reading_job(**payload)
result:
12 h 35 min 24 s
